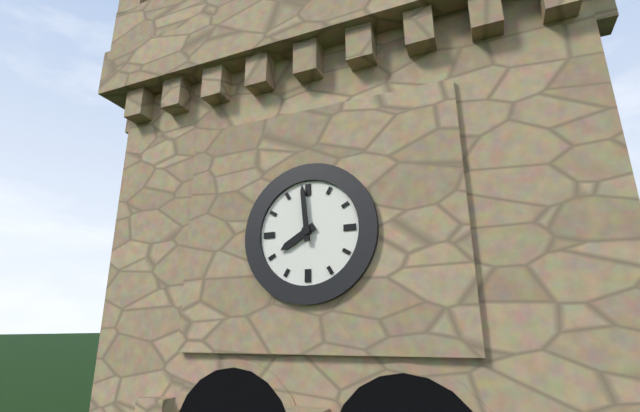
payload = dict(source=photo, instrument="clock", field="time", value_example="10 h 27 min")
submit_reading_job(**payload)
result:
7 h 59 min
